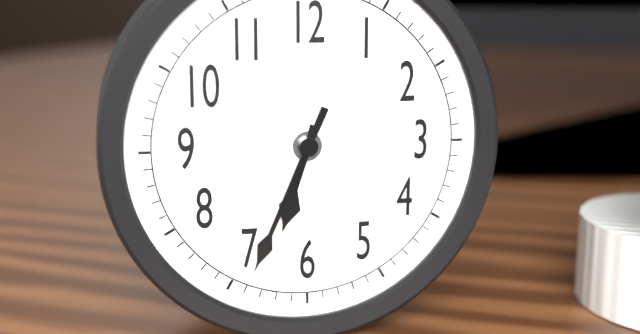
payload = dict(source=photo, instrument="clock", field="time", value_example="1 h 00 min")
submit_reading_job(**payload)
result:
6 h 34 min
